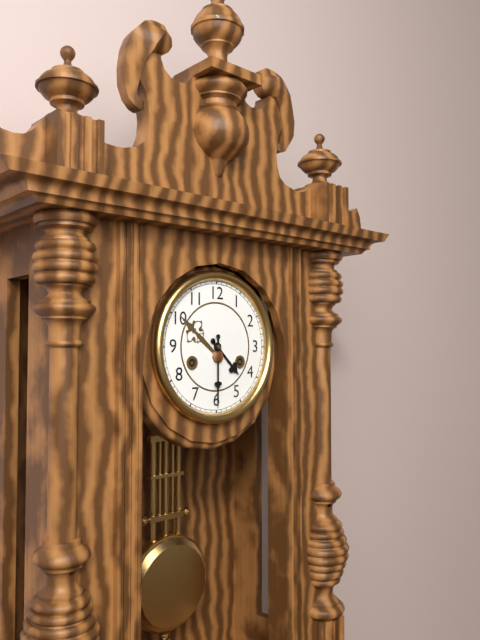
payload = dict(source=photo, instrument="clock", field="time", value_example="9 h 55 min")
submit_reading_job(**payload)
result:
4 h 30 min
